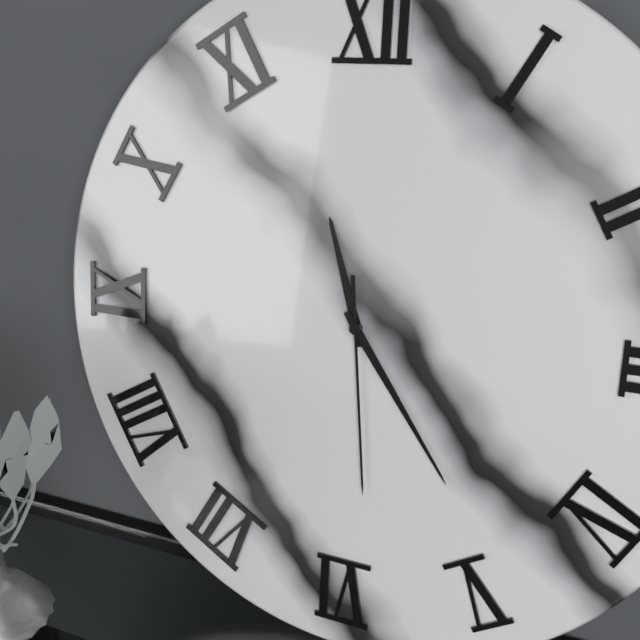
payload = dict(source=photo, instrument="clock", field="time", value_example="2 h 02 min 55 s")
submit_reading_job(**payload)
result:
11 h 24 min 29 s
